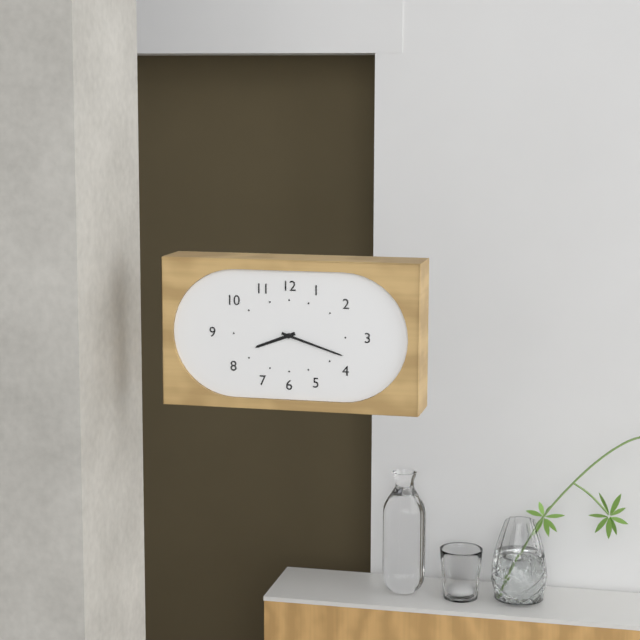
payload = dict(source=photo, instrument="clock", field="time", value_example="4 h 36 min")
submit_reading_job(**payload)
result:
8 h 18 min
